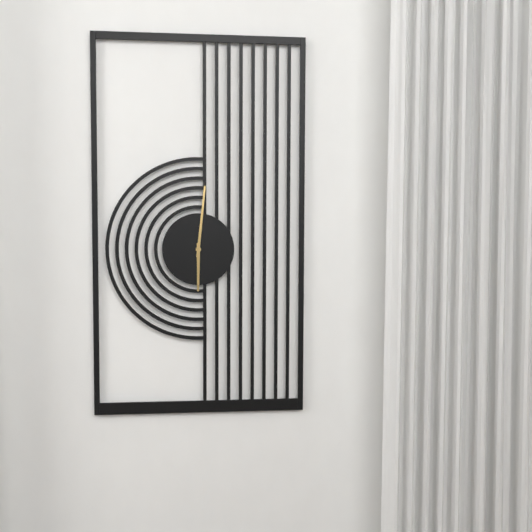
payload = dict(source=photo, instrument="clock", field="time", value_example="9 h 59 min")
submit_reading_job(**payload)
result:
6 h 01 min
